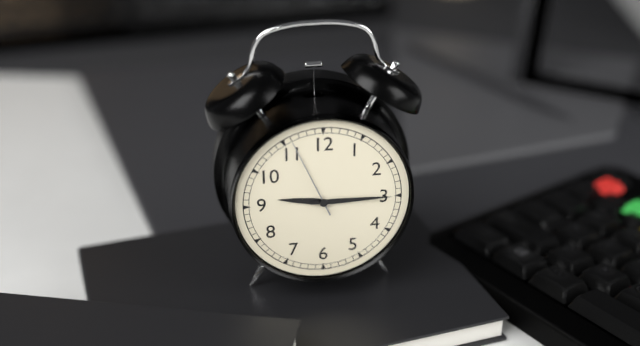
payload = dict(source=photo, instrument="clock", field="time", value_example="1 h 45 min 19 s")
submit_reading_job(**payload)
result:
9 h 15 min 56 s
